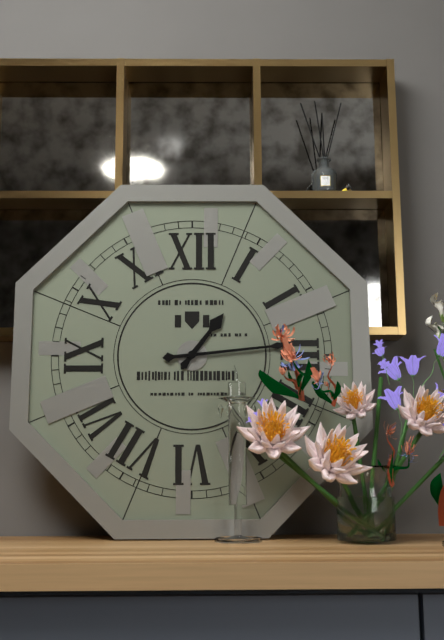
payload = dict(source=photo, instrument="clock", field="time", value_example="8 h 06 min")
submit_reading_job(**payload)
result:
1 h 14 min
